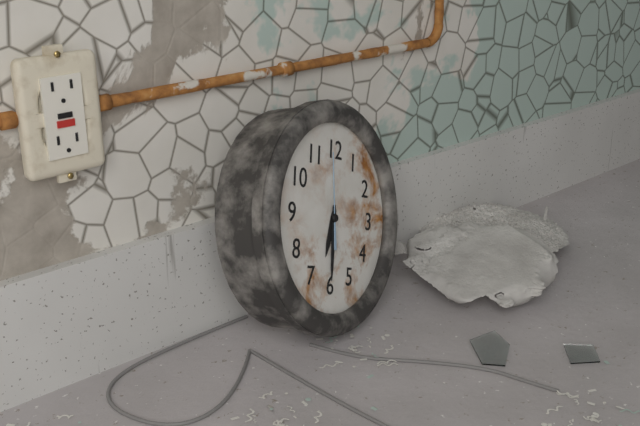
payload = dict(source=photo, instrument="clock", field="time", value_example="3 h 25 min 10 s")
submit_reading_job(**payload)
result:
6 h 30 min 59 s
